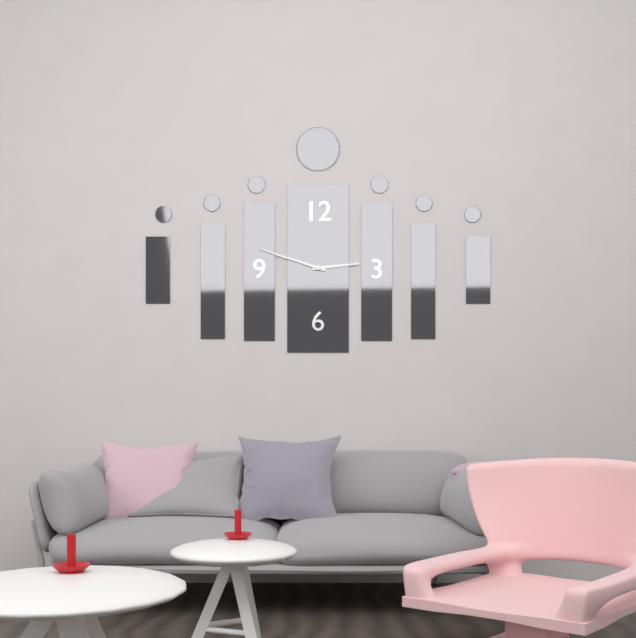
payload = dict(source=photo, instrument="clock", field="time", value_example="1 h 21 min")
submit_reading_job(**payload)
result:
2 h 48 min
